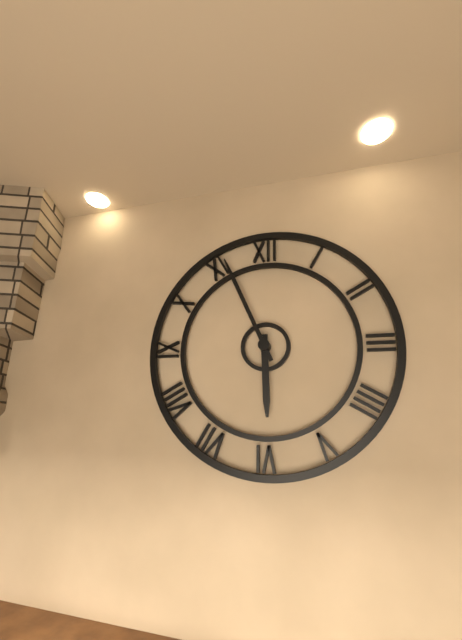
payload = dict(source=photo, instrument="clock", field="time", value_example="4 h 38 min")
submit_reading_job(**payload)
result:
5 h 56 min
